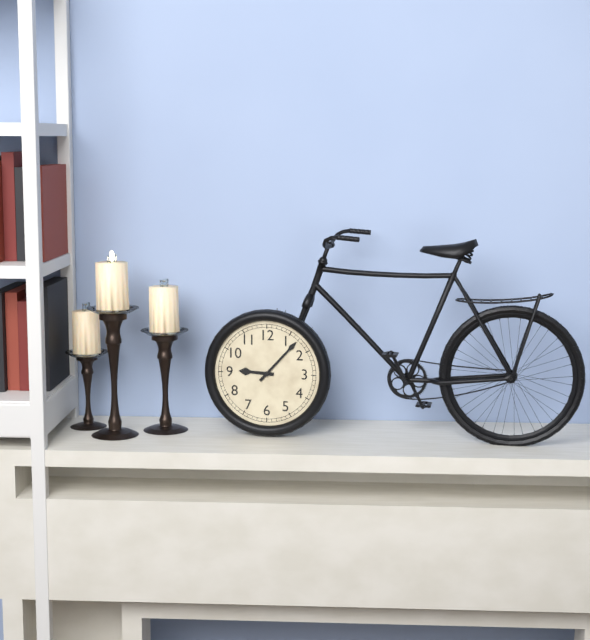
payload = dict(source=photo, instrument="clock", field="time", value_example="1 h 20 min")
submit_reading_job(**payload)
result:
9 h 07 min
